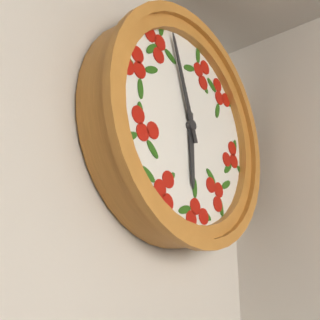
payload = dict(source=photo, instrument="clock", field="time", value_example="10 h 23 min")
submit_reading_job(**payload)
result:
5 h 57 min
